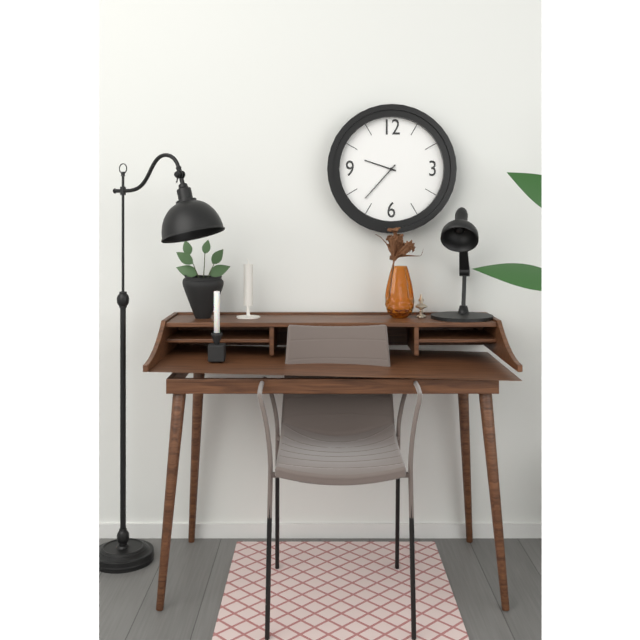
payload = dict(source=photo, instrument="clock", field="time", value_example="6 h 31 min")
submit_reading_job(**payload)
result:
9 h 37 min
